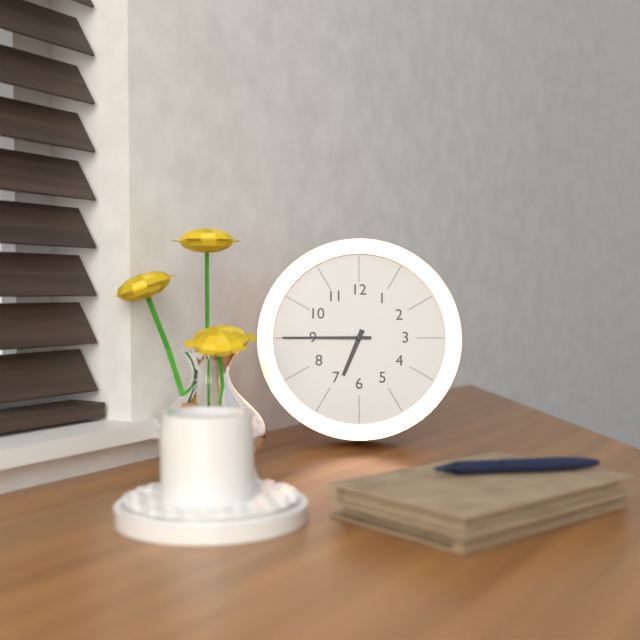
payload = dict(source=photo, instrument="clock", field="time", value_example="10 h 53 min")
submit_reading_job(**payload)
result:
6 h 45 min
